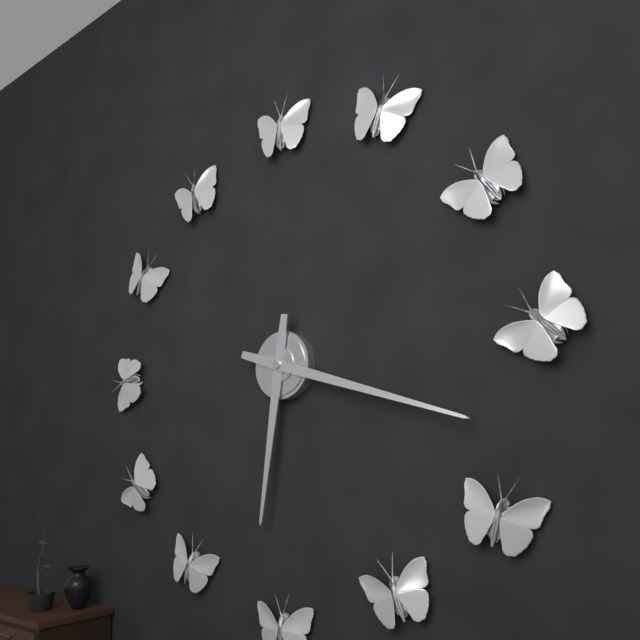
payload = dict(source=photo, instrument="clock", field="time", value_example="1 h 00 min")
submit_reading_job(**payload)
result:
6 h 18 min
